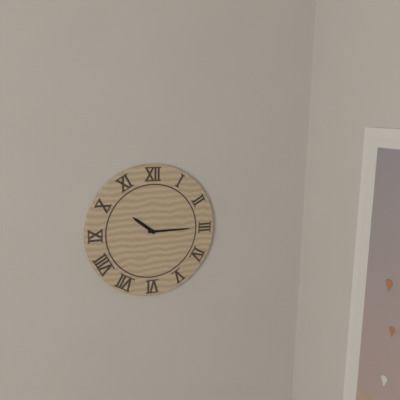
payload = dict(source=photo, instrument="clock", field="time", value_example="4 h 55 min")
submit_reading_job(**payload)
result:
10 h 15 min
